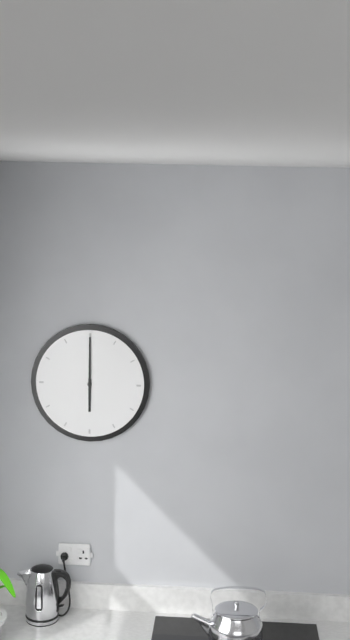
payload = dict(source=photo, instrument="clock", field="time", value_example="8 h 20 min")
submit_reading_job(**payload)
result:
6 h 00 min
